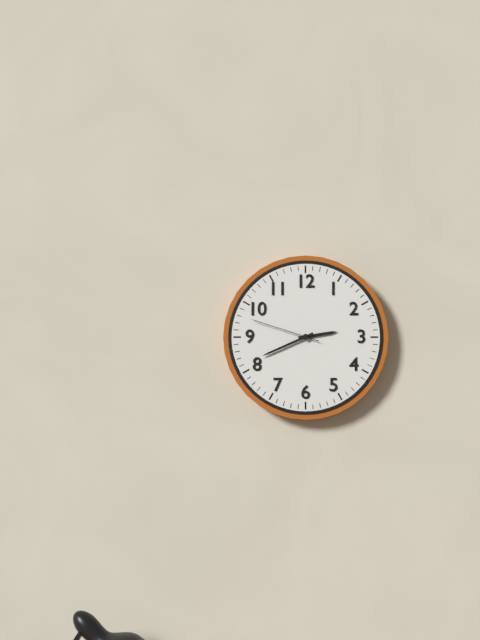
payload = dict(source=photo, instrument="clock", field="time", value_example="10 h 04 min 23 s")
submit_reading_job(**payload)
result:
2 h 41 min 48 s
